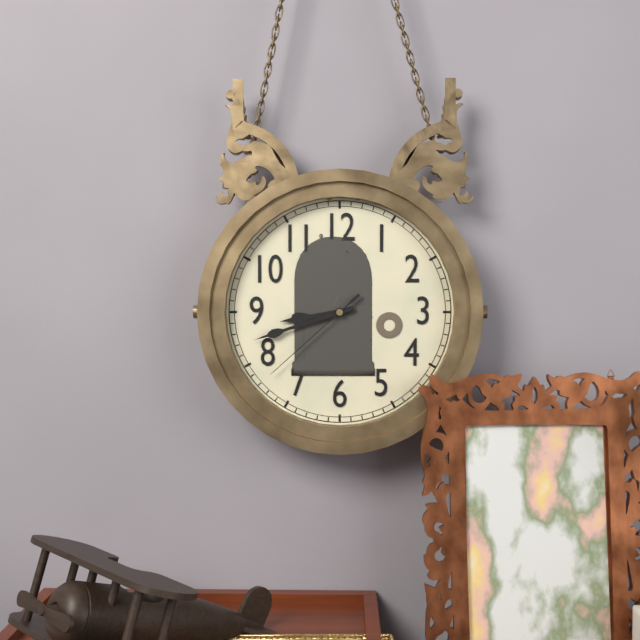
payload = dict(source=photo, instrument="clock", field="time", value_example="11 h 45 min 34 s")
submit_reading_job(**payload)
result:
8 h 42 min 38 s
